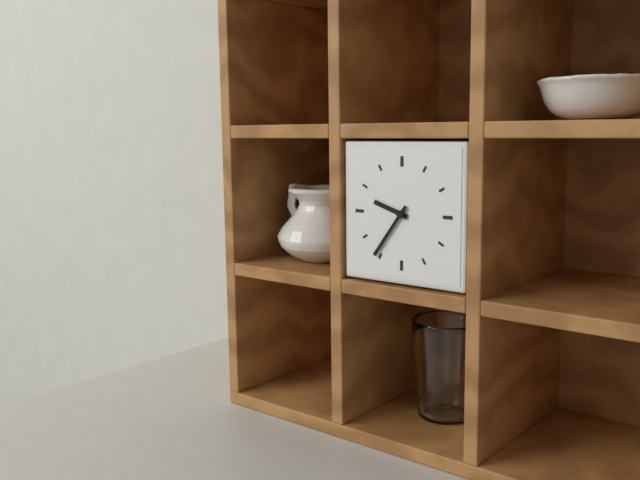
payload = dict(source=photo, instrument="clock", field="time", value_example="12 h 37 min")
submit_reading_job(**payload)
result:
9 h 36 min
